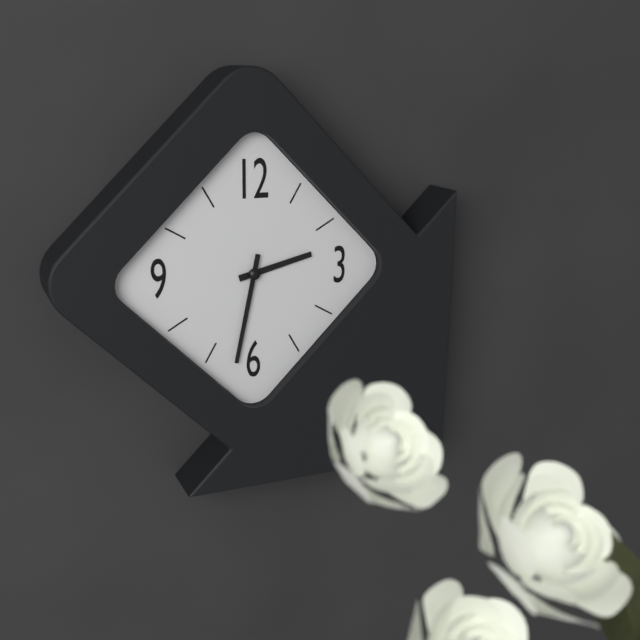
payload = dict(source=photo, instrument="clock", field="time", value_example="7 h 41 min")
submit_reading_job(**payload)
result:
2 h 32 min
